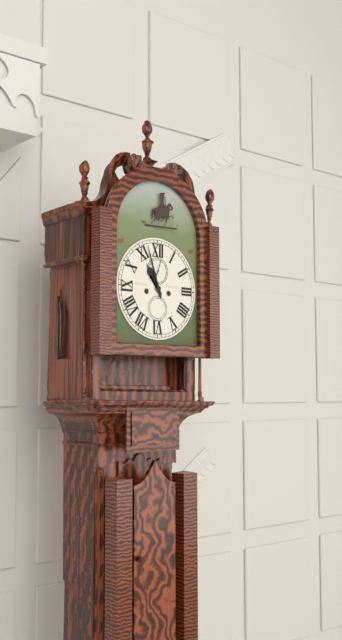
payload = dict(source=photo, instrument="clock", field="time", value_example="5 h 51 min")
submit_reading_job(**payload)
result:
10 h 57 min
